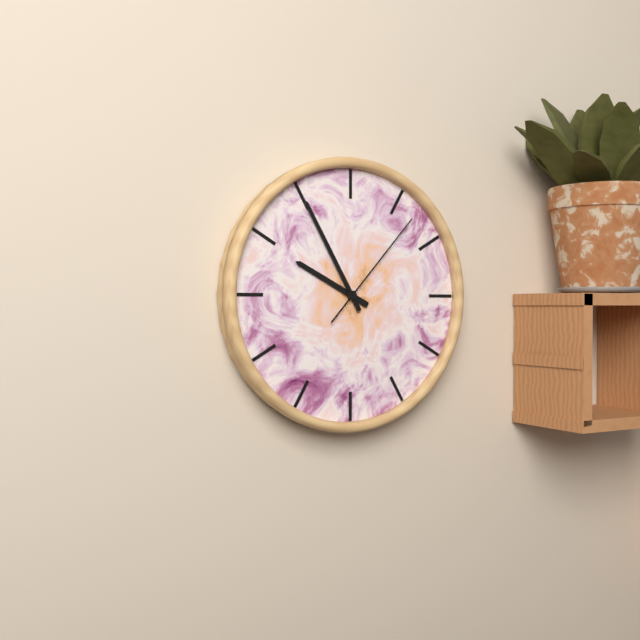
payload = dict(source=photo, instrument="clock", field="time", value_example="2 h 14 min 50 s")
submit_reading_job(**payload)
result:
9 h 55 min 07 s
